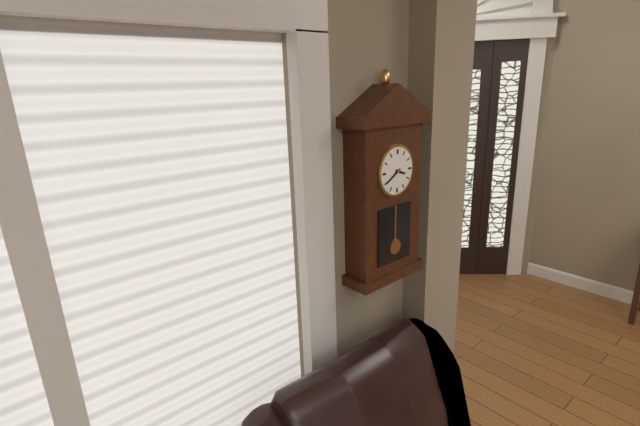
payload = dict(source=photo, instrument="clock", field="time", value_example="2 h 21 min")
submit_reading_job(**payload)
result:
3 h 40 min
